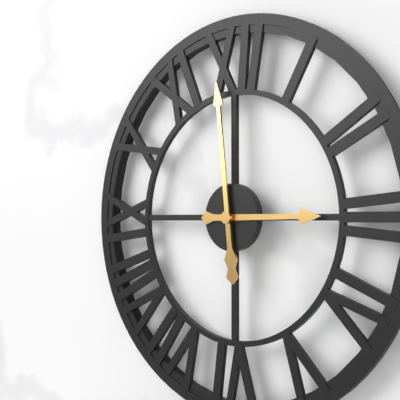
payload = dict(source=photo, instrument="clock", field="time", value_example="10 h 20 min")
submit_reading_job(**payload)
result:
2 h 59 min
